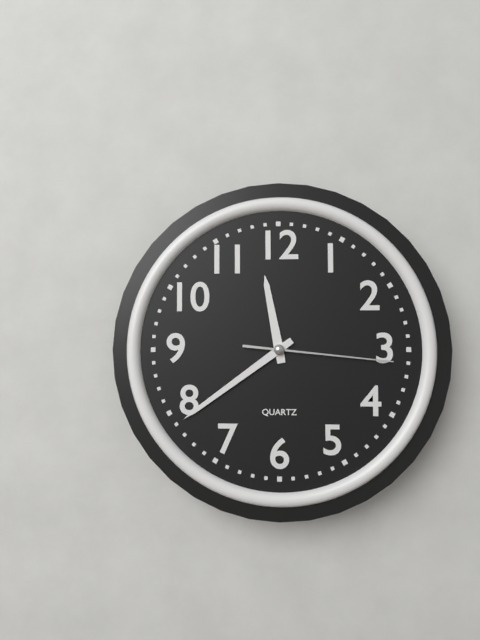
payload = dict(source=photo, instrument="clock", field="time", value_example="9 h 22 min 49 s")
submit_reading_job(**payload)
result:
11 h 39 min 16 s
